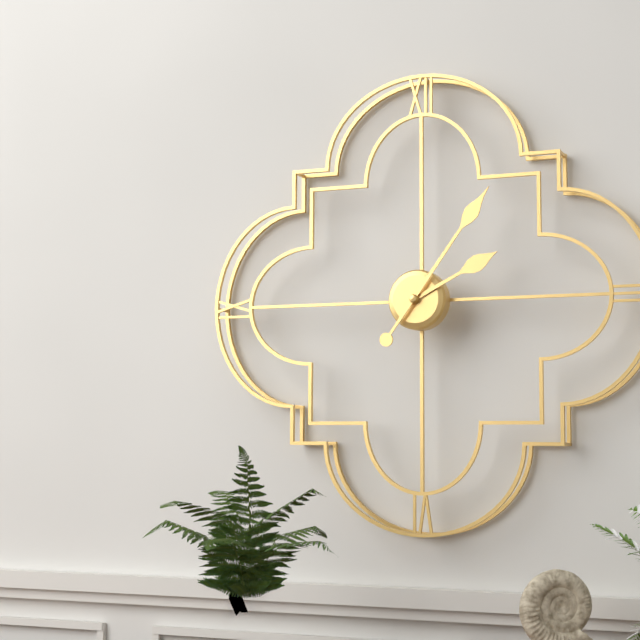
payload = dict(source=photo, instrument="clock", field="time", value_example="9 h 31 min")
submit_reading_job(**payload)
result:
2 h 06 min
